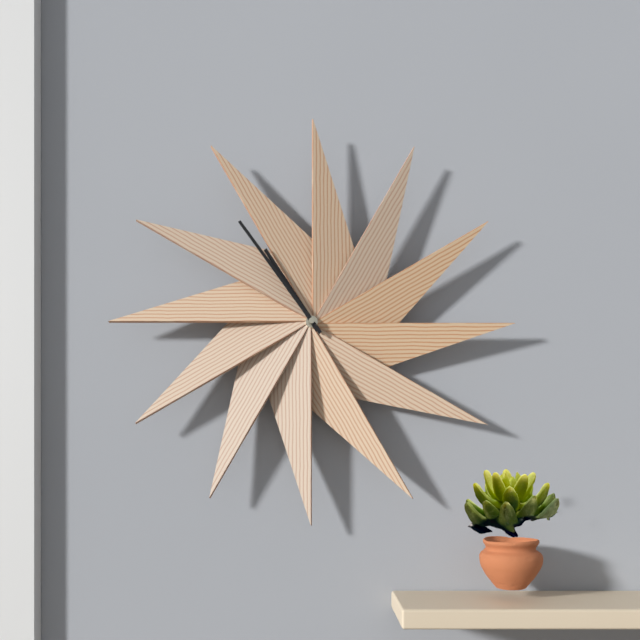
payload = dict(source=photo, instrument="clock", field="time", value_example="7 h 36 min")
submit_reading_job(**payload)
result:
10 h 54 min
